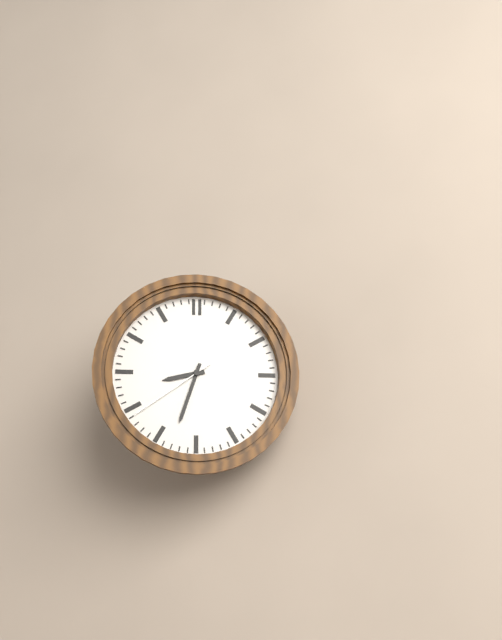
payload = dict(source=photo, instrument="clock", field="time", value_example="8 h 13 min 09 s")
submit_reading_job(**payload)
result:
8 h 33 min 39 s
